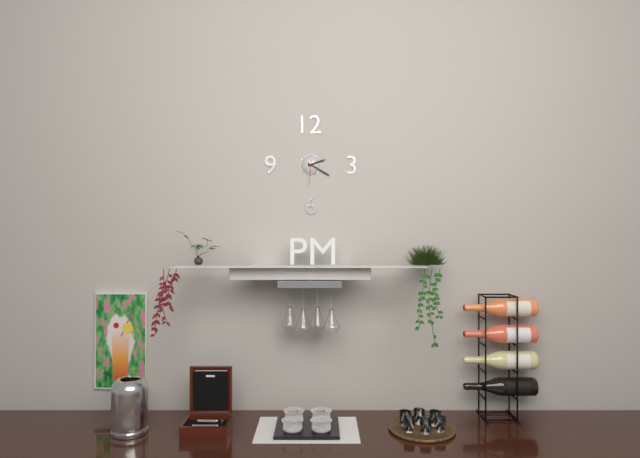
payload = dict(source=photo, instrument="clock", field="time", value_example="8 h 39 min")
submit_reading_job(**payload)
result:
2 h 20 min
